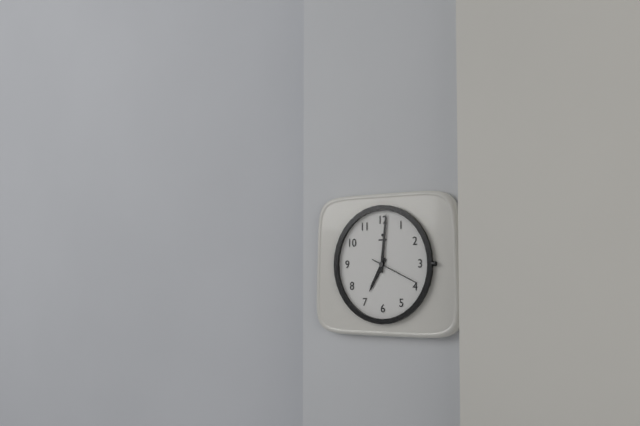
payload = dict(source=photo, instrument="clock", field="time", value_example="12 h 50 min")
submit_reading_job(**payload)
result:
7 h 01 min
